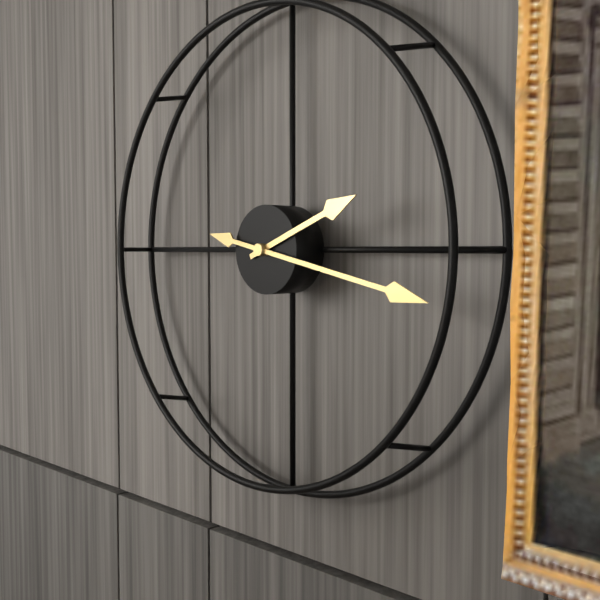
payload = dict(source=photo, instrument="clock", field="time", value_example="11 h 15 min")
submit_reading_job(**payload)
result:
2 h 17 min
